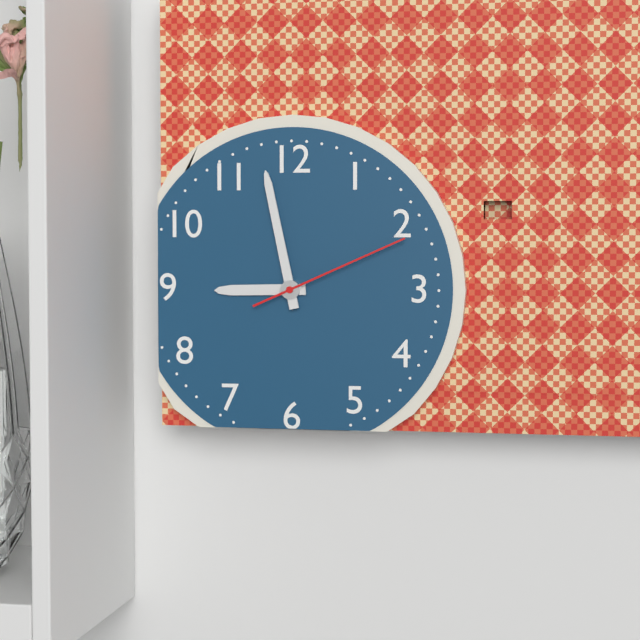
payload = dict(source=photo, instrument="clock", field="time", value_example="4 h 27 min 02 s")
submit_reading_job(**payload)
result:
8 h 58 min 11 s
